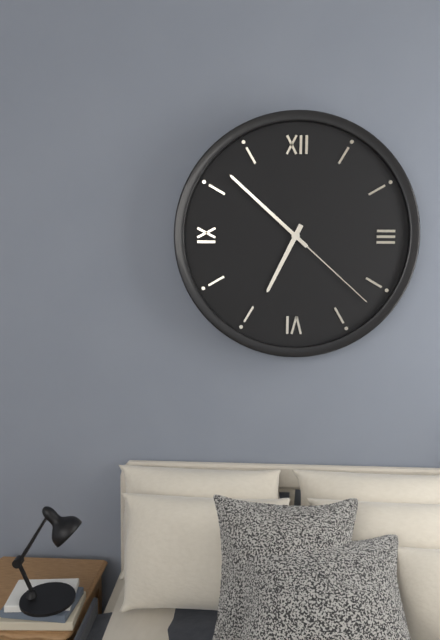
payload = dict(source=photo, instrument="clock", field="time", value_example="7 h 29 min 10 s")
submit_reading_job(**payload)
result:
6 h 52 min 22 s
